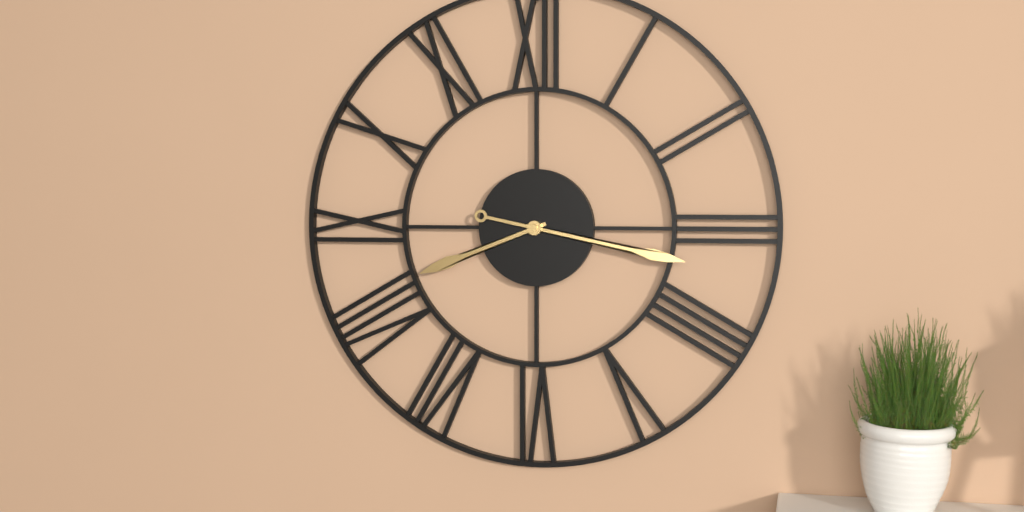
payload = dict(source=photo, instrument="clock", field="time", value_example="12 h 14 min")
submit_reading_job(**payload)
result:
8 h 17 min
